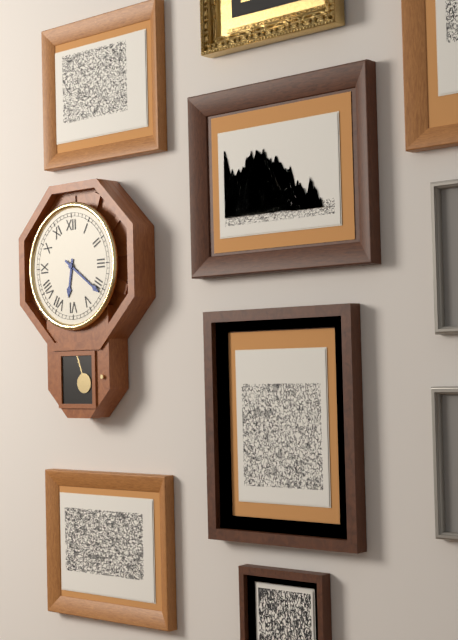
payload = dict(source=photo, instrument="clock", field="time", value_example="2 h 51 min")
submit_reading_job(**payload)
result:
6 h 21 min
